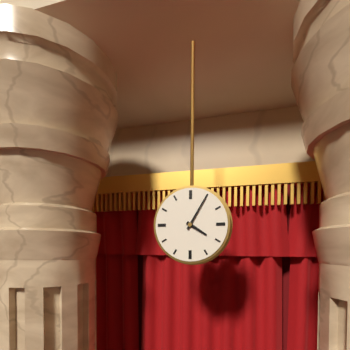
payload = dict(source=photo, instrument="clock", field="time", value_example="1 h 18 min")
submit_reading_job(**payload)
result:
4 h 05 min
